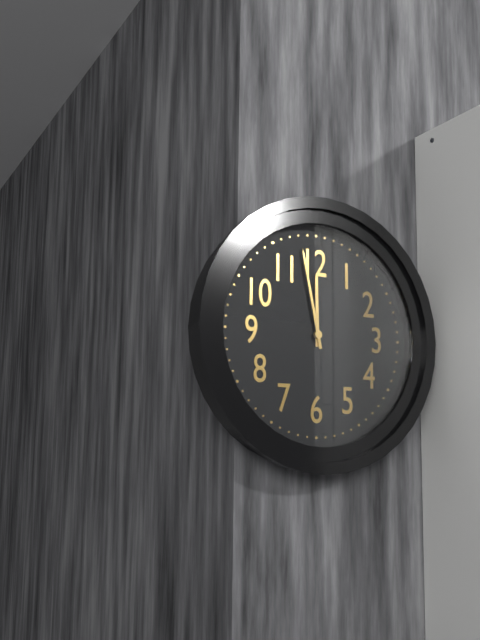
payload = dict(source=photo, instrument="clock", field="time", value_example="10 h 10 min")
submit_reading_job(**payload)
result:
11 h 58 min
